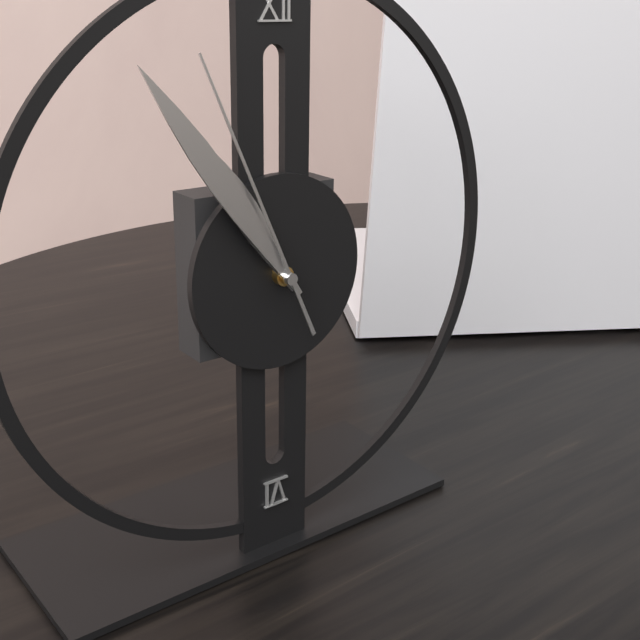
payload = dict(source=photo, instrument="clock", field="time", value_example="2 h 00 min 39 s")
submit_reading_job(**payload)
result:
10 h 54 min 56 s
